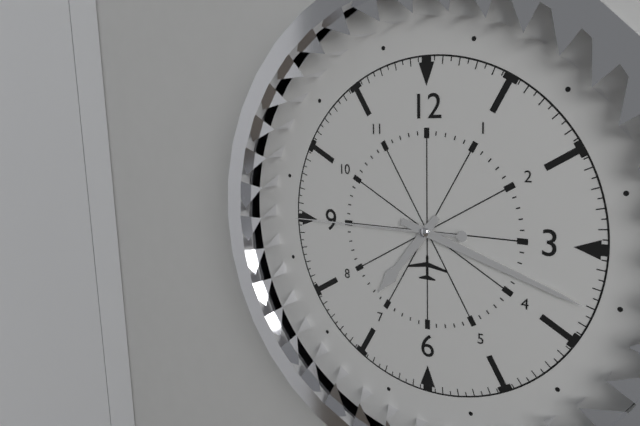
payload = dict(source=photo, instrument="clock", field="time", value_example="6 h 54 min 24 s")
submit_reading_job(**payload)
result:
7 h 18 min 45 s
